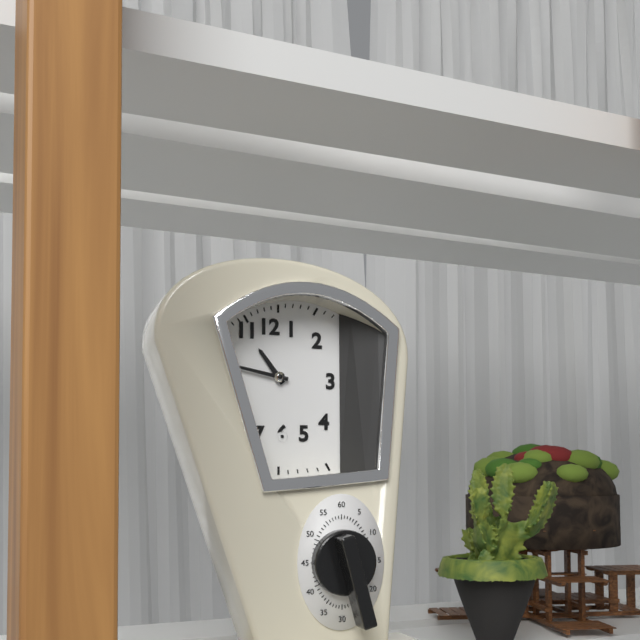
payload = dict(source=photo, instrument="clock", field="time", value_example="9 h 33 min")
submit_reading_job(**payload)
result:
10 h 47 min
